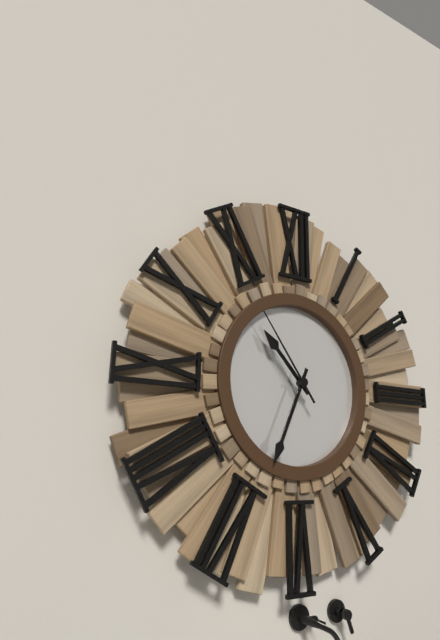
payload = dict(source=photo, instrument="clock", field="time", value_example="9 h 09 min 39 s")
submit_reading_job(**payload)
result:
10 h 34 min 54 s
